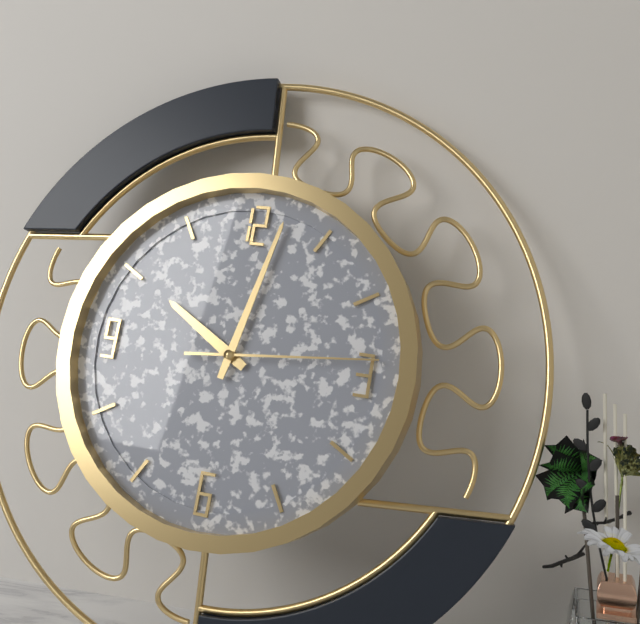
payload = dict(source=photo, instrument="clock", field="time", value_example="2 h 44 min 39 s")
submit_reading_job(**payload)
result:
10 h 02 min 14 s
